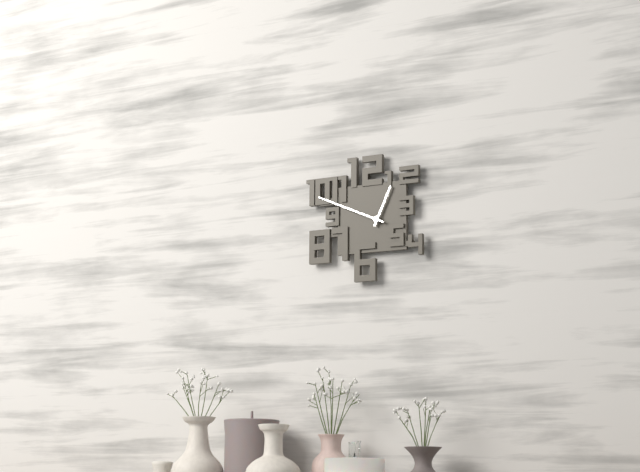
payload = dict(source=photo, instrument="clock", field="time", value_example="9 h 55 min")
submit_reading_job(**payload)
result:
12 h 49 min
